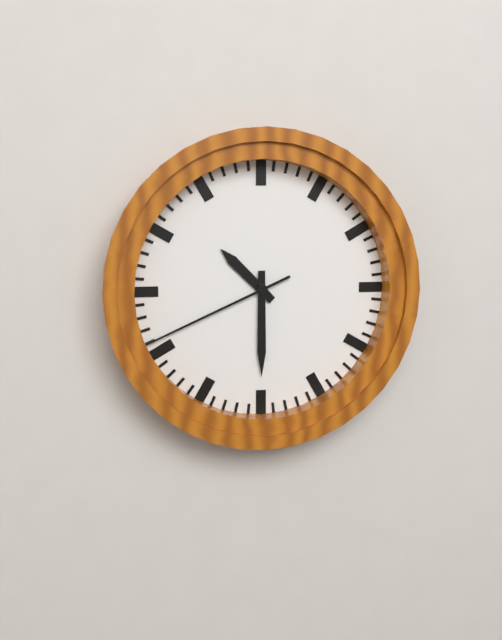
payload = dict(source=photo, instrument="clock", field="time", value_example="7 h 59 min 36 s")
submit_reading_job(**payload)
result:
10 h 30 min 41 s
